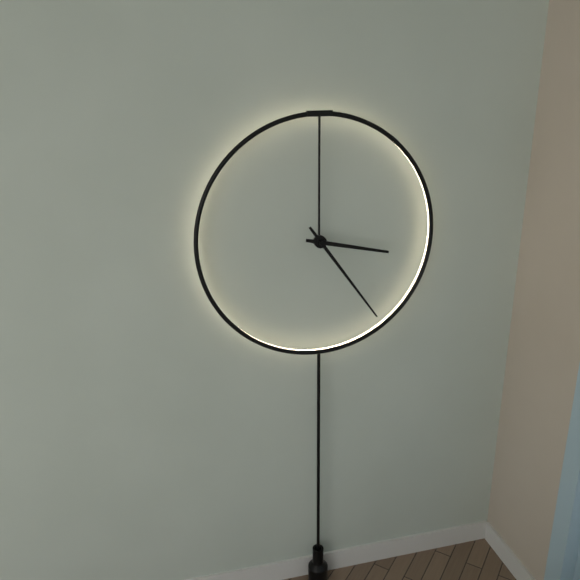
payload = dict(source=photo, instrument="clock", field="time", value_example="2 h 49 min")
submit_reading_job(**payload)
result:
3 h 24 min
